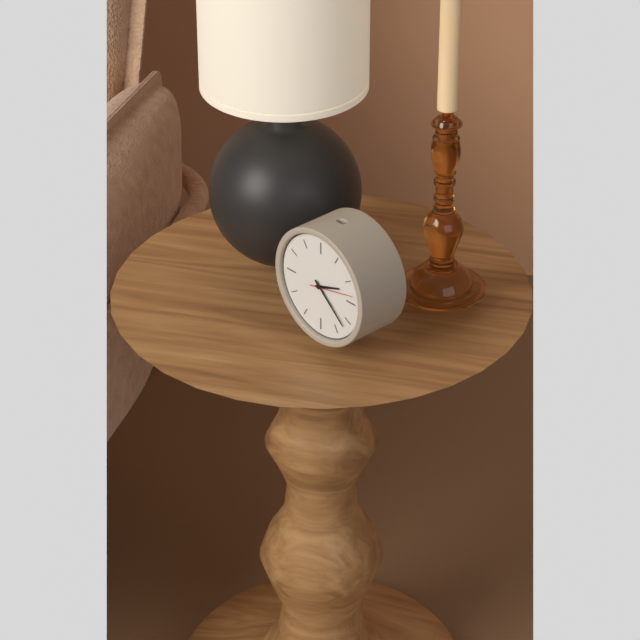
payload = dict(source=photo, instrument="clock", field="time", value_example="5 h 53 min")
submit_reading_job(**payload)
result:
2 h 22 min
